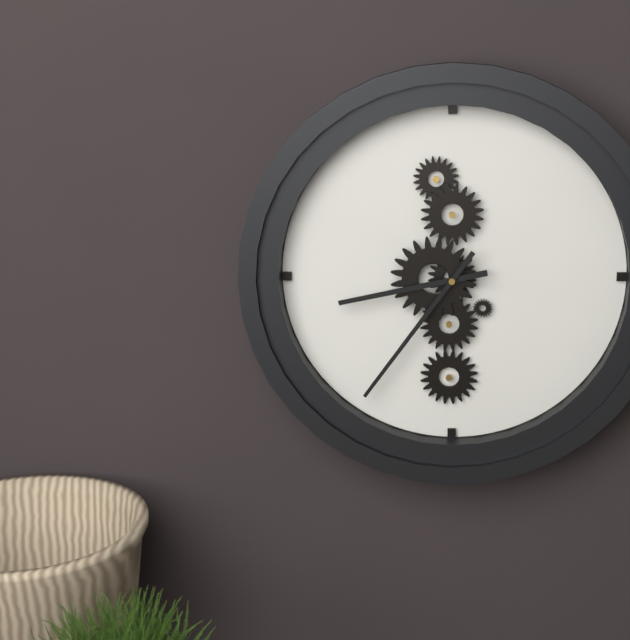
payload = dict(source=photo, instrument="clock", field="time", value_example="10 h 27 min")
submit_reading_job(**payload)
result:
8 h 36 min
